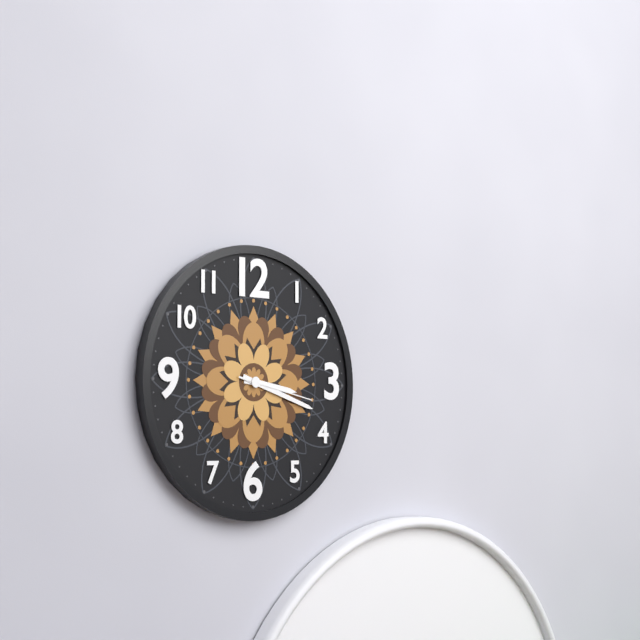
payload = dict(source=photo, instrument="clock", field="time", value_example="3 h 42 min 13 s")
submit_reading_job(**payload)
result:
3 h 18 min 17 s
